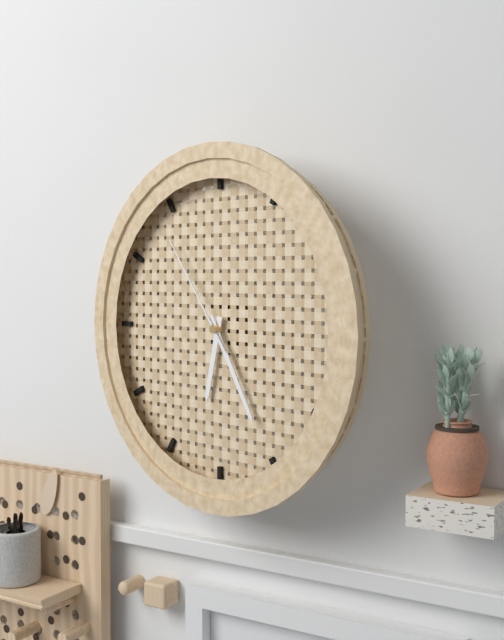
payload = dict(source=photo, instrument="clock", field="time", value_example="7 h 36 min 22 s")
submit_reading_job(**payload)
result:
6 h 25 min 54 s
